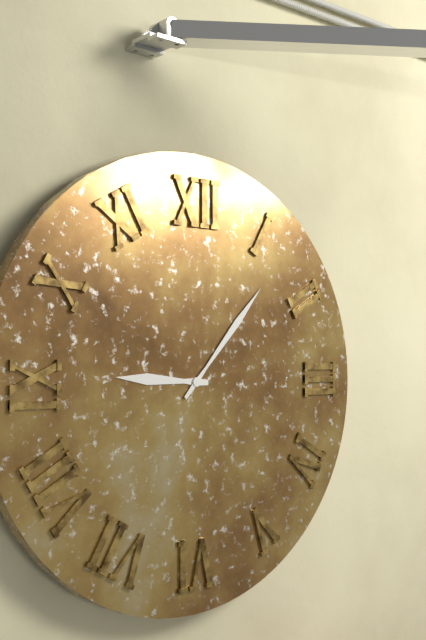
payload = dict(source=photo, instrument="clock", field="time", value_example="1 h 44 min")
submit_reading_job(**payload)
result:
9 h 07 min
